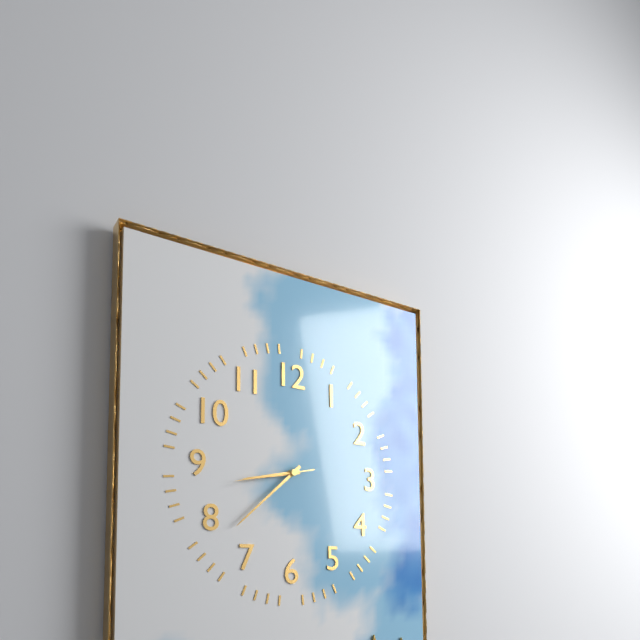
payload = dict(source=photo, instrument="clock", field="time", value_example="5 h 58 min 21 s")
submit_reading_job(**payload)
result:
8 h 38 min 43 s
